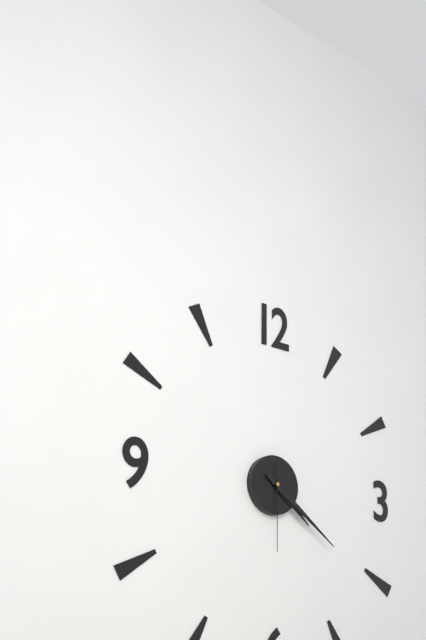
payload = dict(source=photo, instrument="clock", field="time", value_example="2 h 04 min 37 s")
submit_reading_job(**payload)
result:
4 h 21 min 30 s
